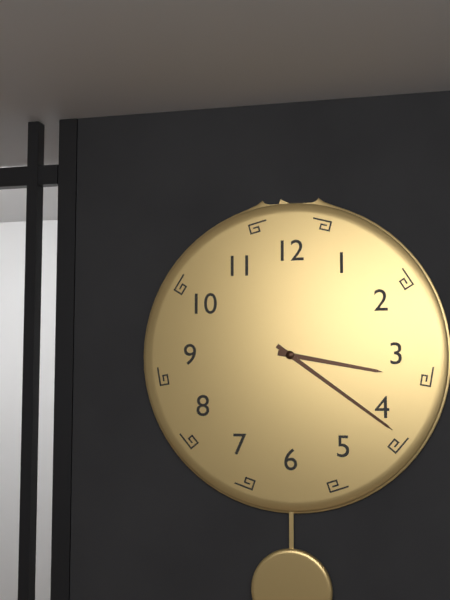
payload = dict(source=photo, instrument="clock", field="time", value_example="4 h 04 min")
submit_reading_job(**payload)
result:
3 h 21 min
